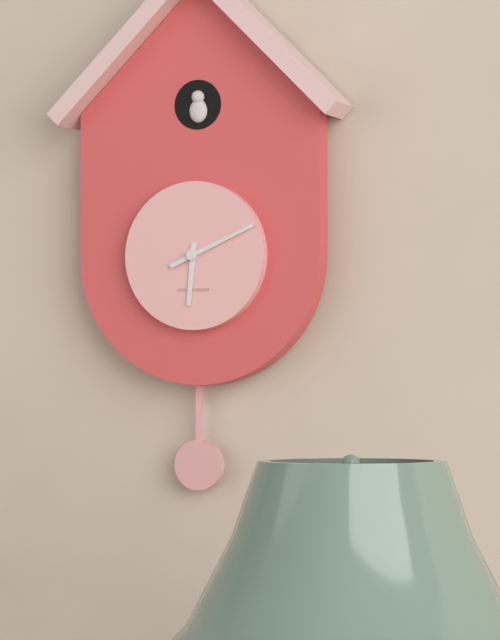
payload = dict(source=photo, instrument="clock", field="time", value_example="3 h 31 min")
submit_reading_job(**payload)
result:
6 h 11 min
